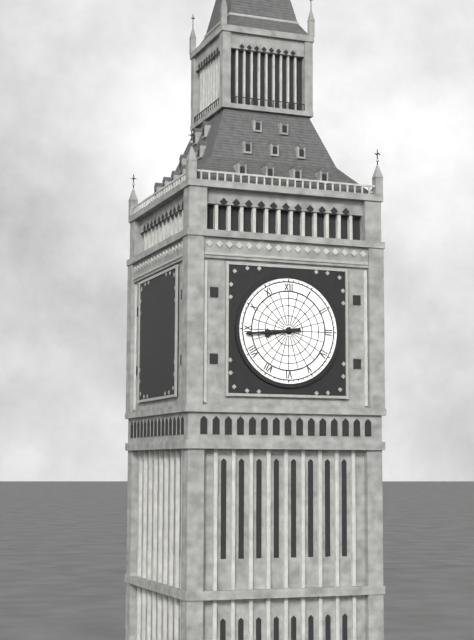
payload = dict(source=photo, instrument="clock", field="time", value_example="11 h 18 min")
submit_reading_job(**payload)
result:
8 h 44 min
